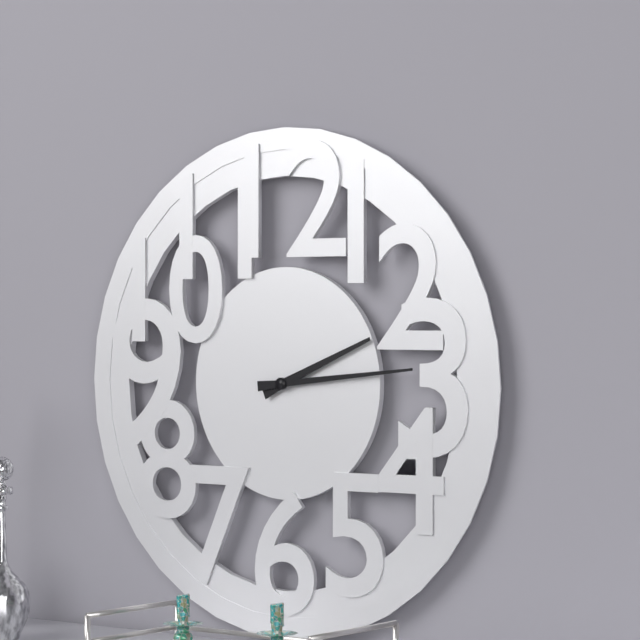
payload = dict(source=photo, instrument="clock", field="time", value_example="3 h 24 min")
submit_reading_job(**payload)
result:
2 h 14 min
